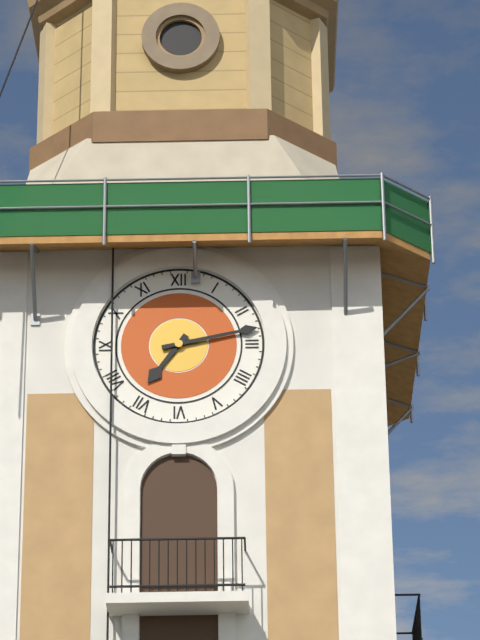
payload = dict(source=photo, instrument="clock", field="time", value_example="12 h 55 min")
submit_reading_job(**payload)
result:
7 h 13 min
